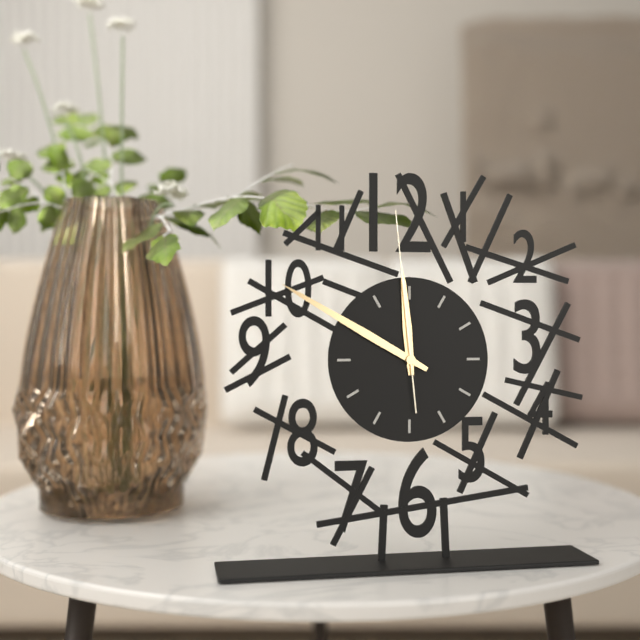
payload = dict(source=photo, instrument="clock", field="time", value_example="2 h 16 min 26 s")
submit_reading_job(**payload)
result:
11 h 50 min 59 s
